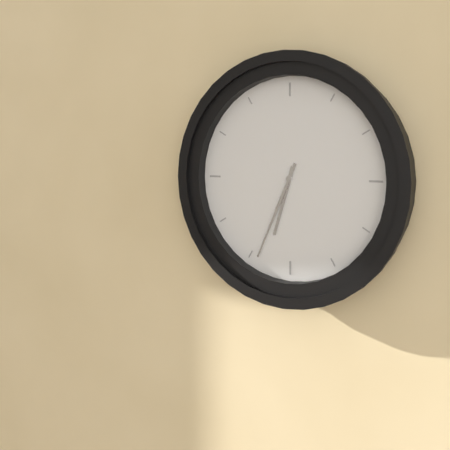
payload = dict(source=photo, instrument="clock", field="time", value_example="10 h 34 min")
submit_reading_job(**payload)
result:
6 h 34 min
